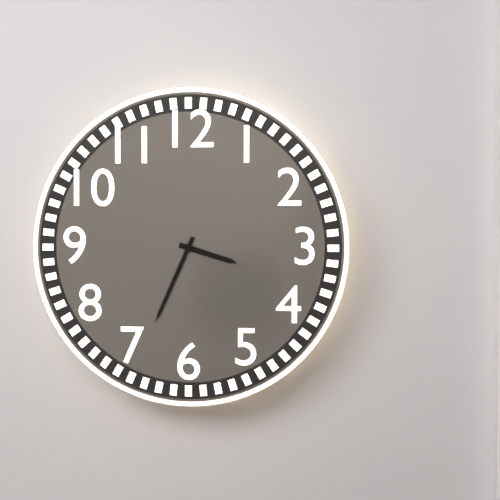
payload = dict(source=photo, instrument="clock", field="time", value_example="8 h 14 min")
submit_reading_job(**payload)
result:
3 h 34 min
